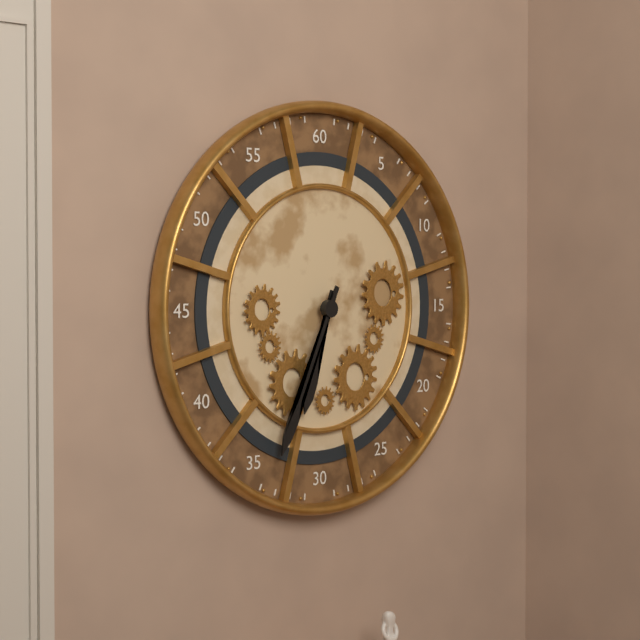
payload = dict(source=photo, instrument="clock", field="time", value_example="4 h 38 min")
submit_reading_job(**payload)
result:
6 h 34 min
